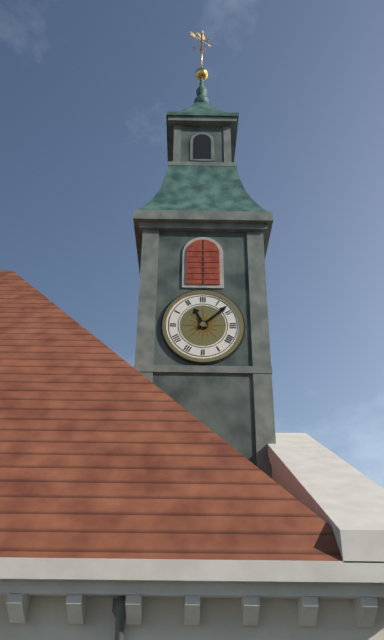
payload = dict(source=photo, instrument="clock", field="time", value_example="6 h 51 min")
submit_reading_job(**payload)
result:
11 h 08 min
